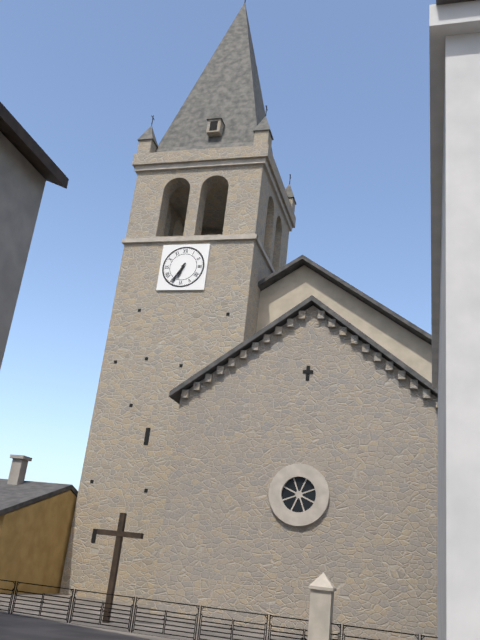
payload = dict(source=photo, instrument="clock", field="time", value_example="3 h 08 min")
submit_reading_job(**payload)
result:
6 h 35 min
